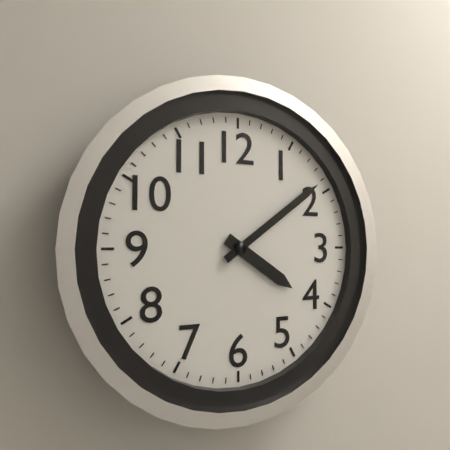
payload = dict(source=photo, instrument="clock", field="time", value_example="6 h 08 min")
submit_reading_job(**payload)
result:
4 h 09 min
